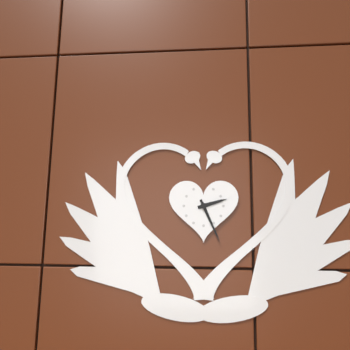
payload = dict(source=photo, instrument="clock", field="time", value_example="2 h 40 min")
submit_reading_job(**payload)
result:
2 h 26 min
